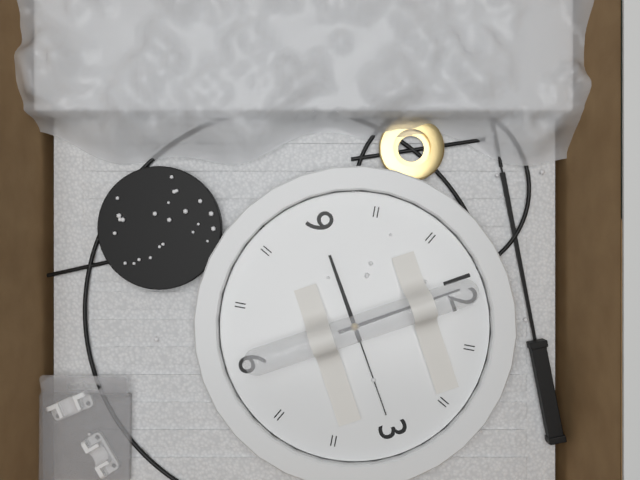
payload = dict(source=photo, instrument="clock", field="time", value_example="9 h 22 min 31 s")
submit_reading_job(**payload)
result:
9 h 00 min 15 s
